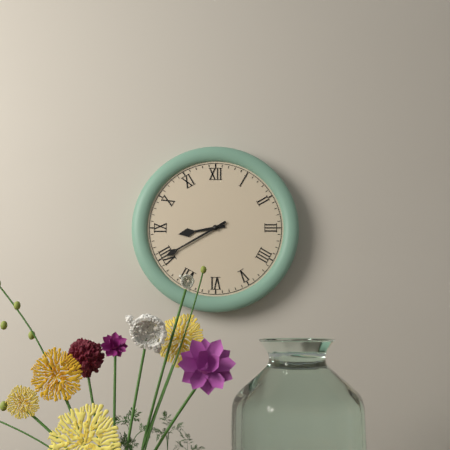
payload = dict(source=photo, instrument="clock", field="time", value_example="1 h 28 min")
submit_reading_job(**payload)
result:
8 h 40 min
